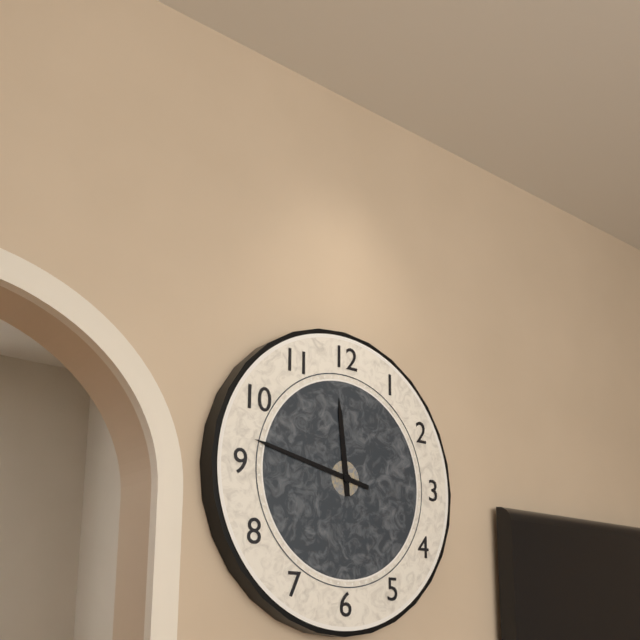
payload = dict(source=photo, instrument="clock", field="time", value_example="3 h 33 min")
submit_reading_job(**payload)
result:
11 h 47 min
